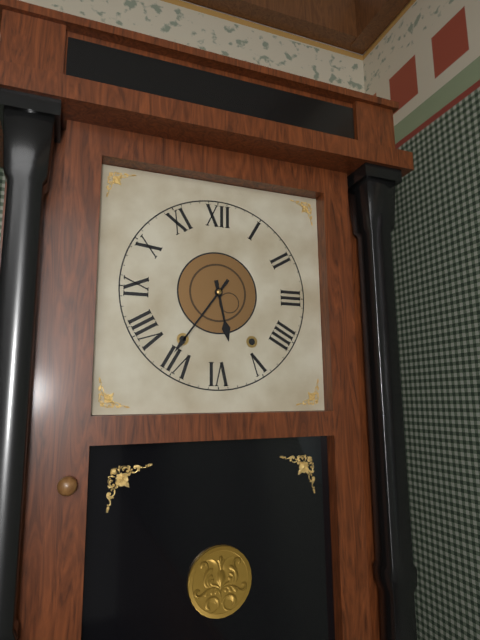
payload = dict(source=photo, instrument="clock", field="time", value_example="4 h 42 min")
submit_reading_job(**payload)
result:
5 h 36 min
